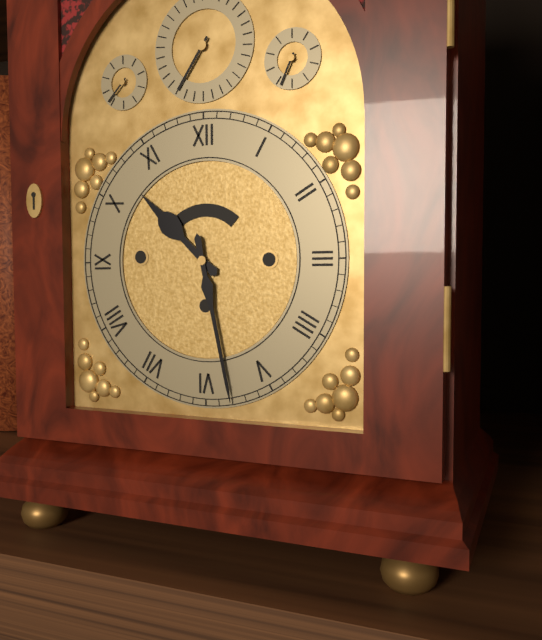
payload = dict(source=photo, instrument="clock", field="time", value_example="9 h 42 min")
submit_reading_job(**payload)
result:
10 h 28 min
